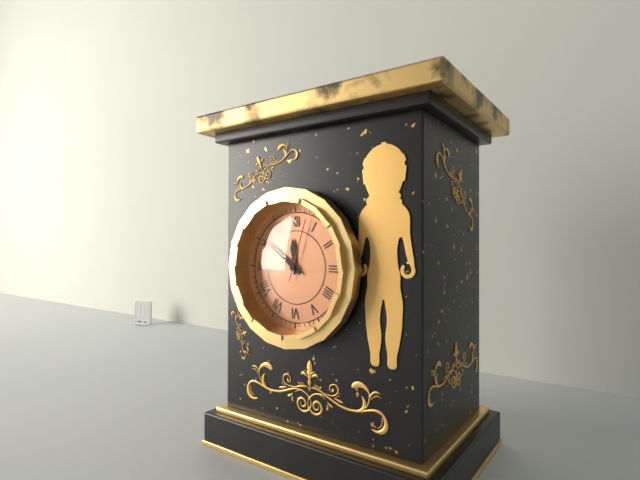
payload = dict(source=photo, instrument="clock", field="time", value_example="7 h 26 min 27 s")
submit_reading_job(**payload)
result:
11 h 51 min 03 s
